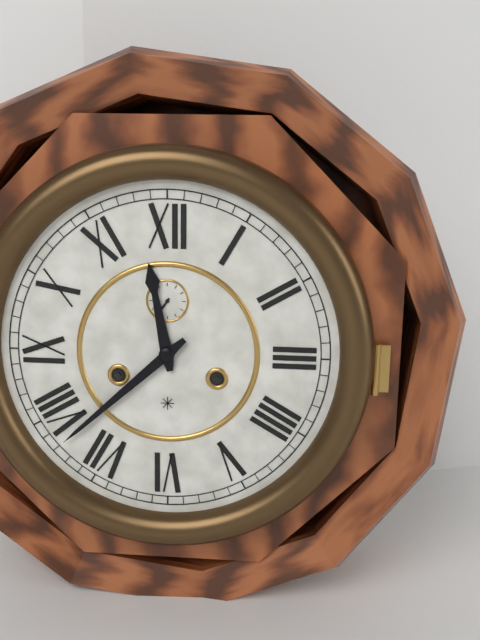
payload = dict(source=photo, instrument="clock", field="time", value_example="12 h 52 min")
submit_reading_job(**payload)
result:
11 h 38 min
